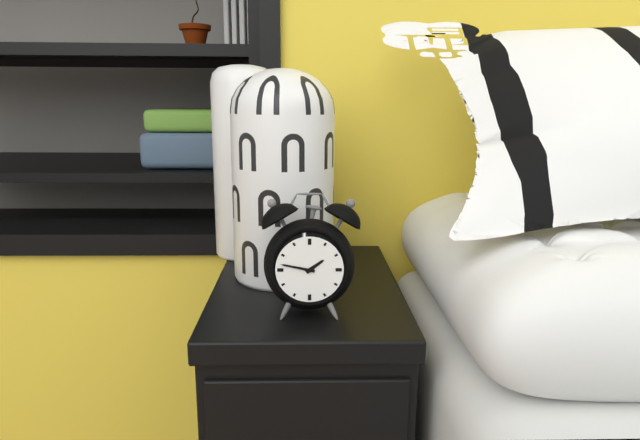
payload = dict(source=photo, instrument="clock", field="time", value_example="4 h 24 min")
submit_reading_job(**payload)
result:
1 h 47 min
